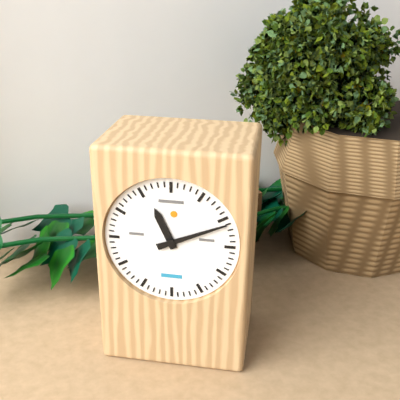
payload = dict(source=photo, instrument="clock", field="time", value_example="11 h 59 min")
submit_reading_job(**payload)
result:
11 h 11 min
